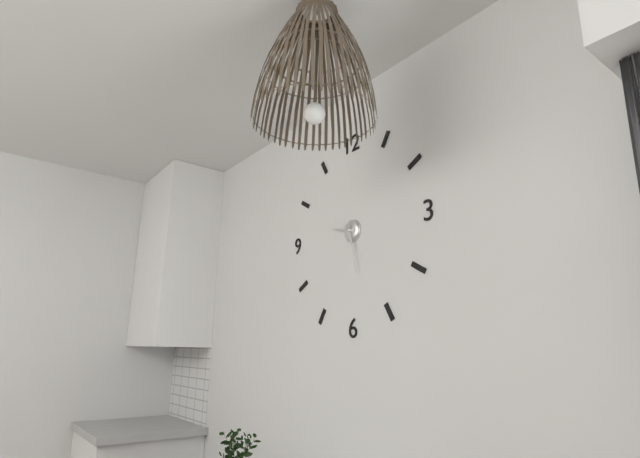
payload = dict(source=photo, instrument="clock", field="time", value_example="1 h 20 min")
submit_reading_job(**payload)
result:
9 h 28 min
